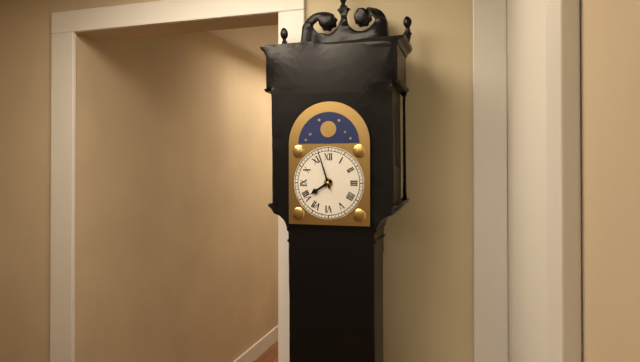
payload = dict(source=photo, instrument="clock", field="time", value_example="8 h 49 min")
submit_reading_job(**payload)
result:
7 h 57 min
